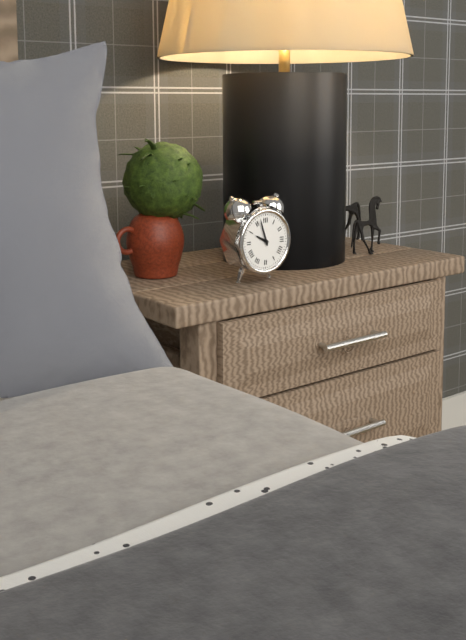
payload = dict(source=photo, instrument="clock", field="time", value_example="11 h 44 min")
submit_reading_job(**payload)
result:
9 h 57 min
